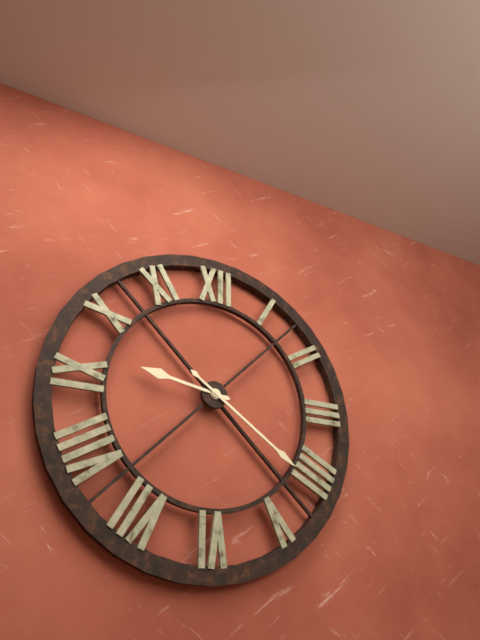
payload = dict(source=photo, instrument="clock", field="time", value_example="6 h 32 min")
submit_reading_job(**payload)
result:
9 h 21 min
